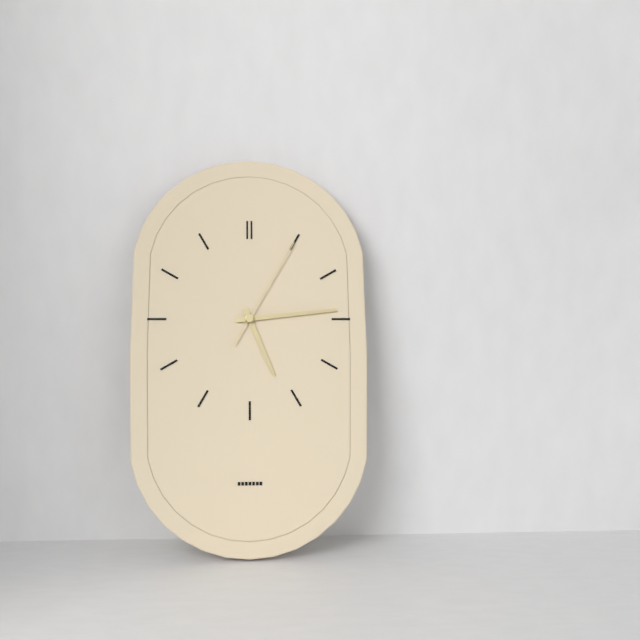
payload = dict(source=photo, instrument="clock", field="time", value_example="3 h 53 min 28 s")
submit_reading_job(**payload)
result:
5 h 14 min 05 s
